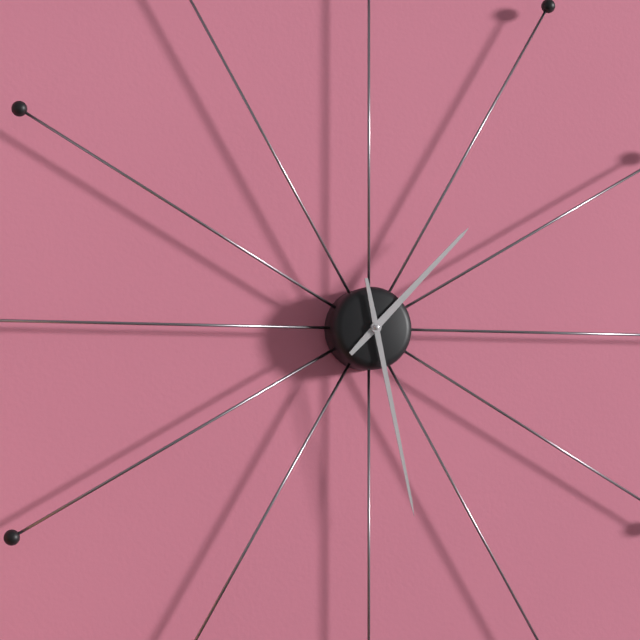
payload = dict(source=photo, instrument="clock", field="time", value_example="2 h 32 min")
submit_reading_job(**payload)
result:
1 h 28 min
